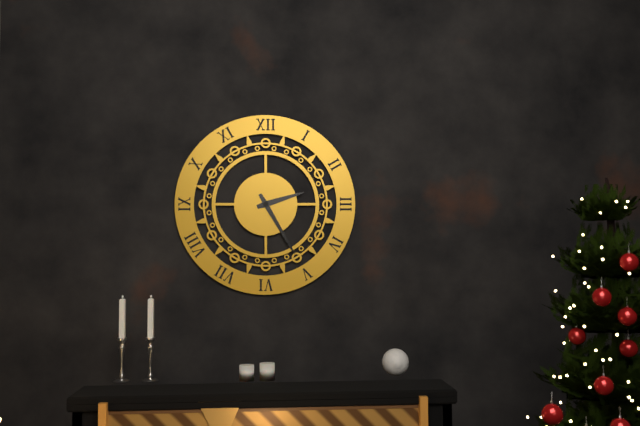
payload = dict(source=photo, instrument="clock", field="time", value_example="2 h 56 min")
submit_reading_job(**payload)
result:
2 h 25 min
